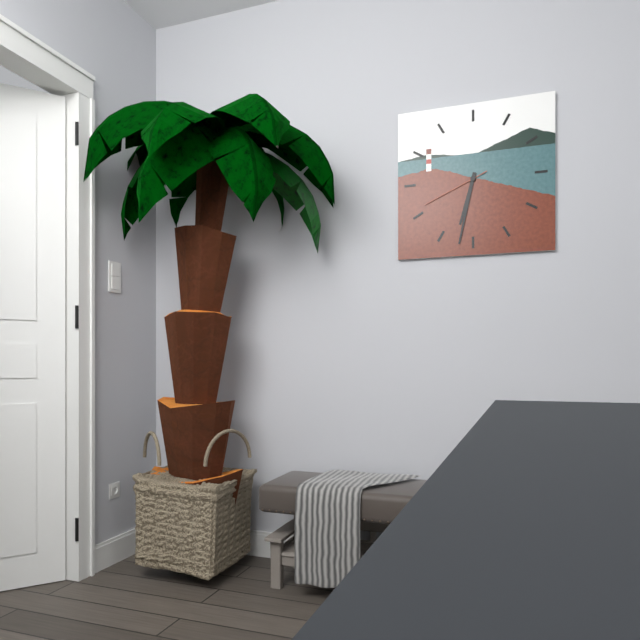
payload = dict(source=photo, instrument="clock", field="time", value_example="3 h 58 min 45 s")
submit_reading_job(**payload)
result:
6 h 32 min 41 s
